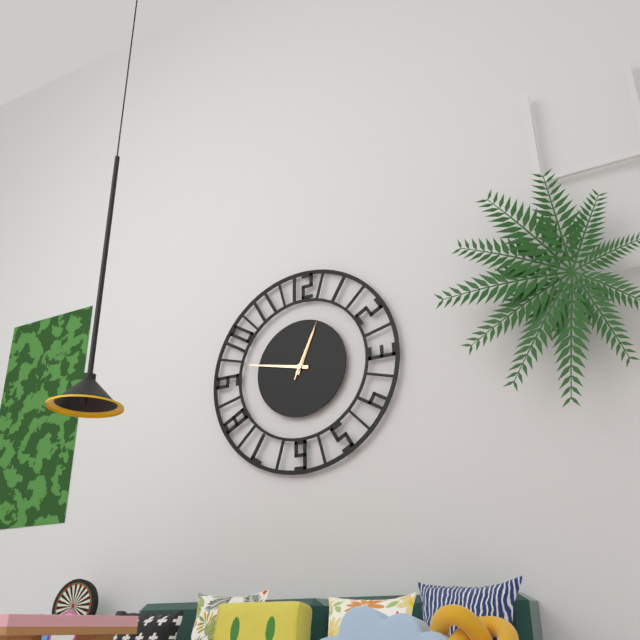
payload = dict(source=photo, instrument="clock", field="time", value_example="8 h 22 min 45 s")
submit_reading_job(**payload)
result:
12 h 47 min 04 s
